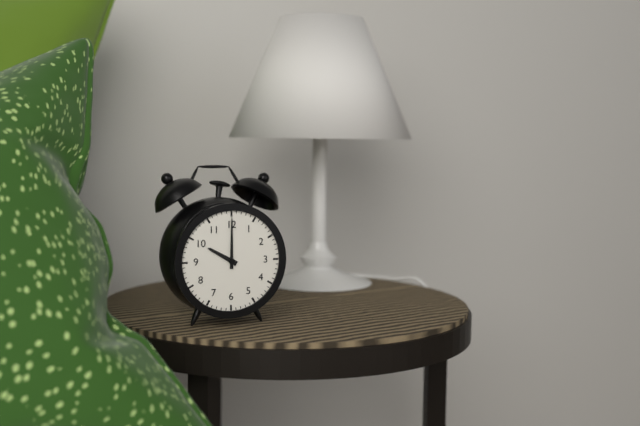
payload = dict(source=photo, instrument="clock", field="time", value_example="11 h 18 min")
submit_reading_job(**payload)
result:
10 h 00 min
